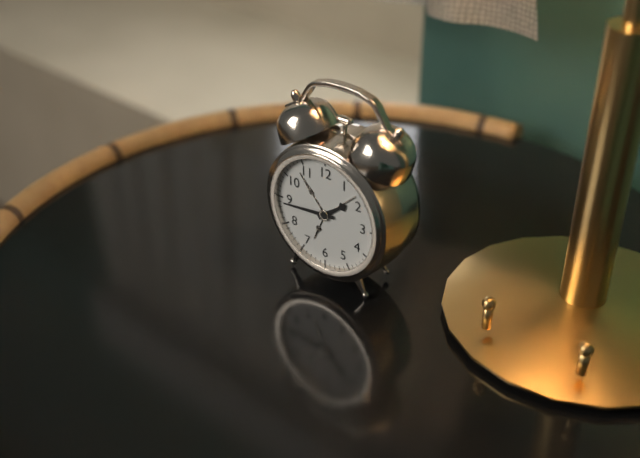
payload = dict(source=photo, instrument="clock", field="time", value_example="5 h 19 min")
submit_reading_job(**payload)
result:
1 h 44 min
